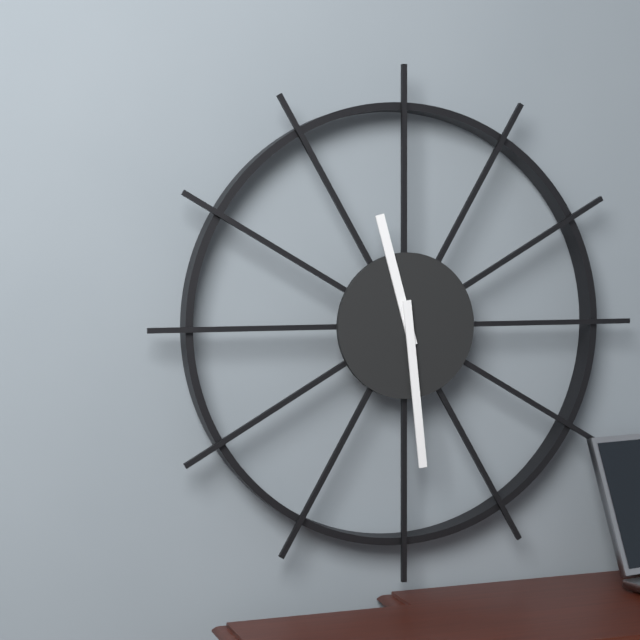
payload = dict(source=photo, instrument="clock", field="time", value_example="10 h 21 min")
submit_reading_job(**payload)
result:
11 h 29 min
